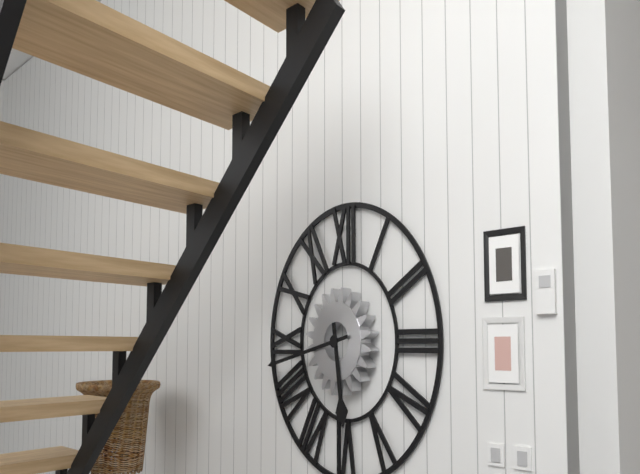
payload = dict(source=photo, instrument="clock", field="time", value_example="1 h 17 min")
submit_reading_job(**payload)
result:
5 h 43 min
